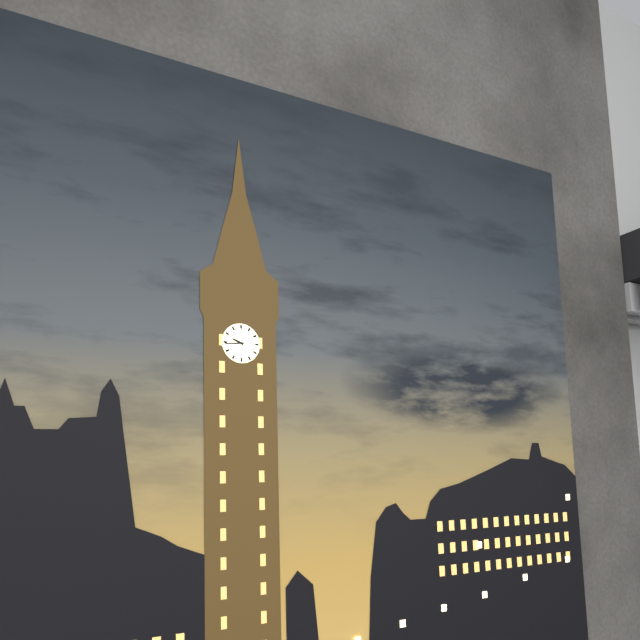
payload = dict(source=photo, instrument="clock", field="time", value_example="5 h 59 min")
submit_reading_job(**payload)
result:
9 h 44 min
